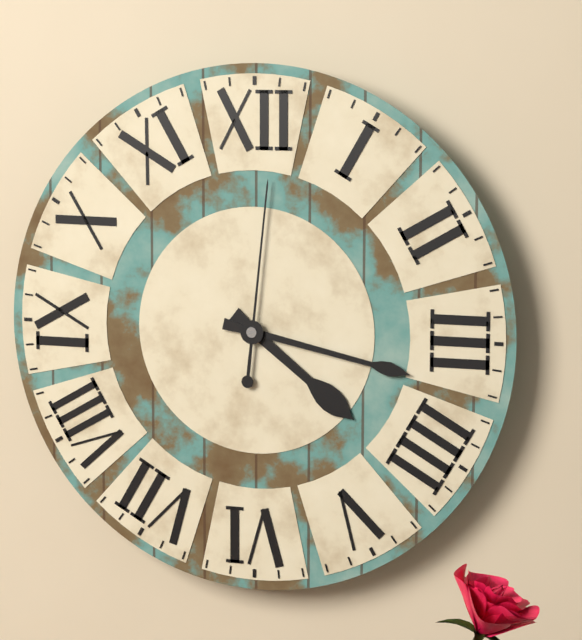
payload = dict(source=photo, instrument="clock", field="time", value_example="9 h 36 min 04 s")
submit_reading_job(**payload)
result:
4 h 17 min 01 s
